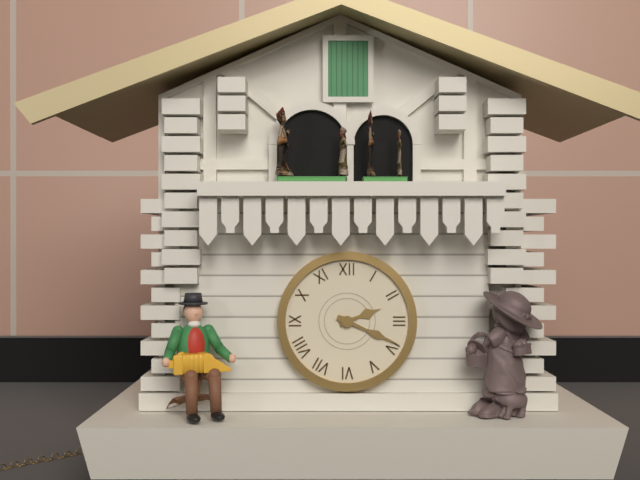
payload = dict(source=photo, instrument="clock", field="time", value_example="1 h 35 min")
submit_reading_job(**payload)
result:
2 h 19 min
